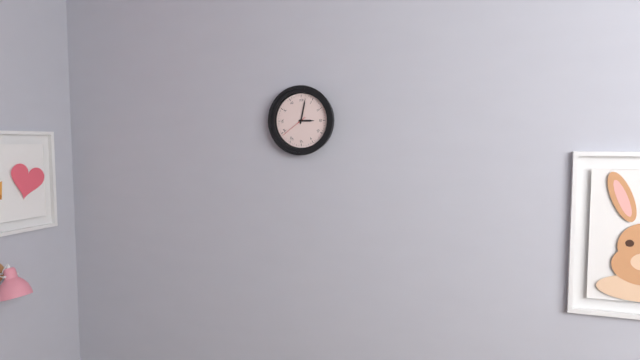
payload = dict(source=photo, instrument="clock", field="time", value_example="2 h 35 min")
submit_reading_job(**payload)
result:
3 h 02 min
